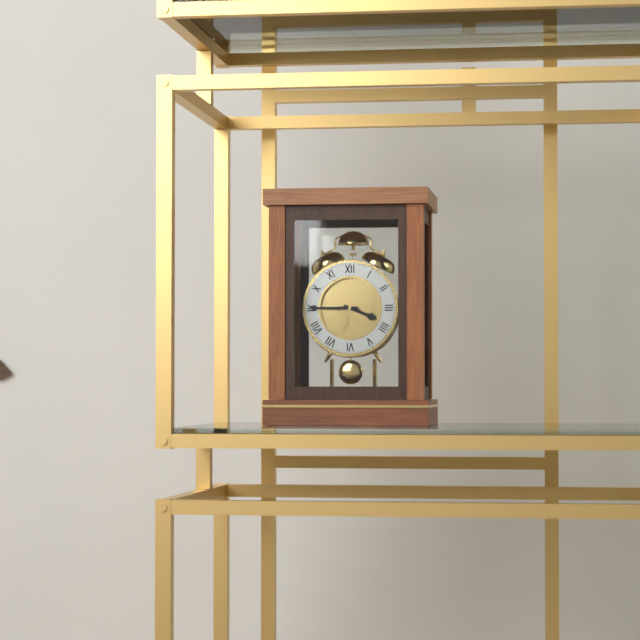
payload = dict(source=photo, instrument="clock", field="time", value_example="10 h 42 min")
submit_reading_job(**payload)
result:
3 h 45 min
